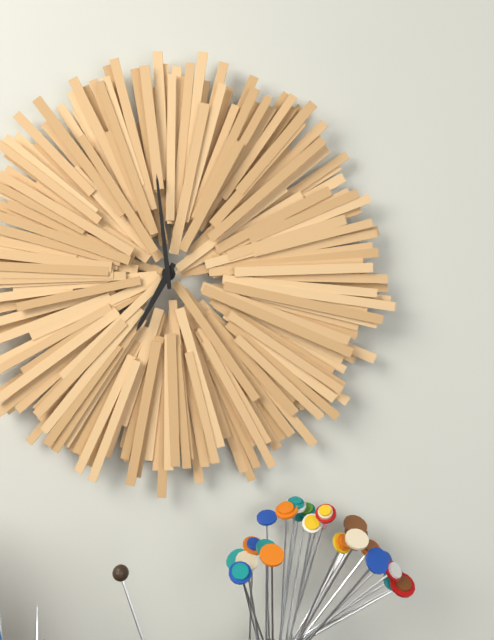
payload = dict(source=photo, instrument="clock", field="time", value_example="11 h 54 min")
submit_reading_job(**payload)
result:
6 h 59 min
